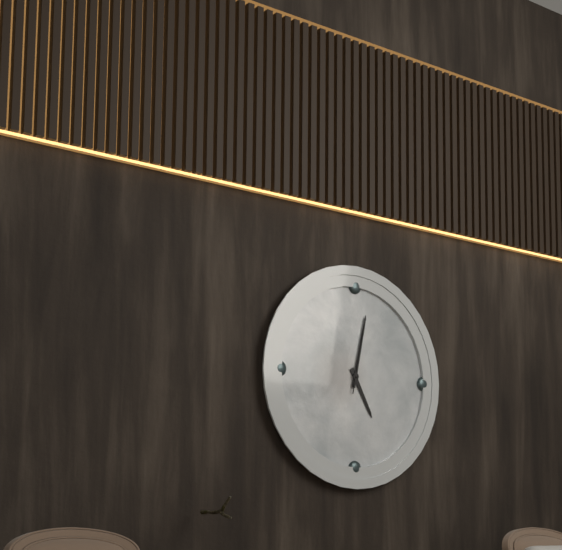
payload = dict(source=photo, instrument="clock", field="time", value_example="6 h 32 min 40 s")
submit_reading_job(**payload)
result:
5 h 02 min 02 s
